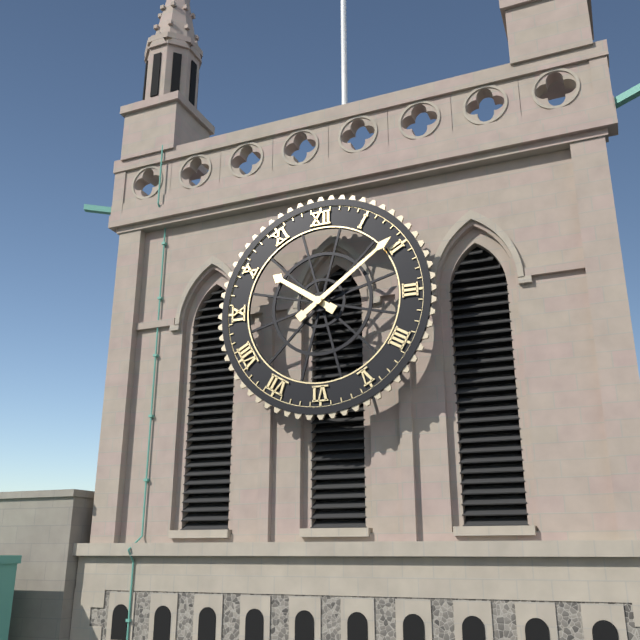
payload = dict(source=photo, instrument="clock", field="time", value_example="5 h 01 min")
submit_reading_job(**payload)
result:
10 h 09 min
